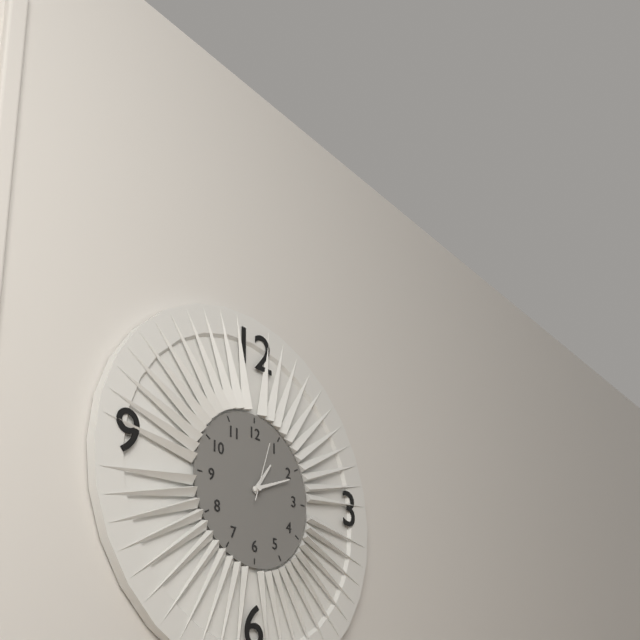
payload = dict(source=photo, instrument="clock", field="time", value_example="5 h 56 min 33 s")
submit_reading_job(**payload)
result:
1 h 11 min 03 s
